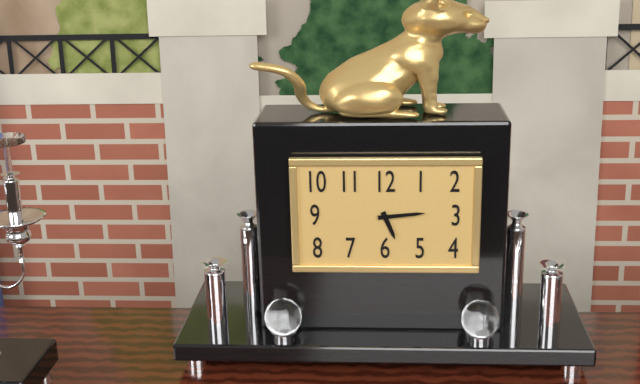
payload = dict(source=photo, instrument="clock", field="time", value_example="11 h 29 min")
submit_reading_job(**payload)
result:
5 h 14 min
